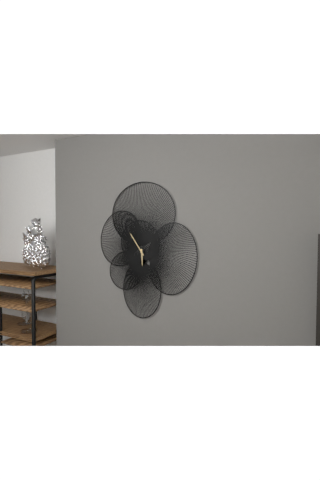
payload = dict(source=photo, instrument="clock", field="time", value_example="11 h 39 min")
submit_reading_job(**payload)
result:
5 h 54 min
